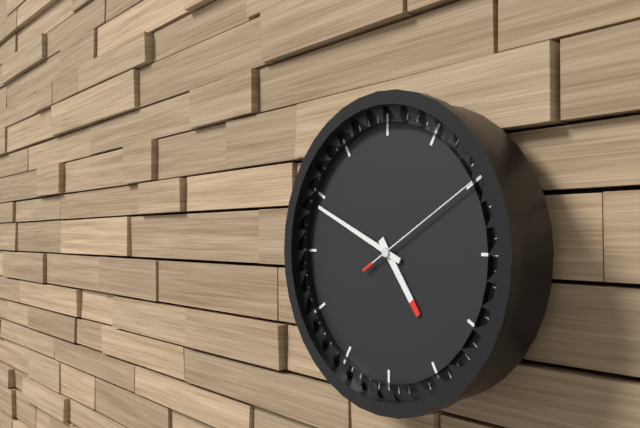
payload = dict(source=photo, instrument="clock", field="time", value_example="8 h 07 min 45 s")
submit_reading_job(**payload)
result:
4 h 49 min 10 s
